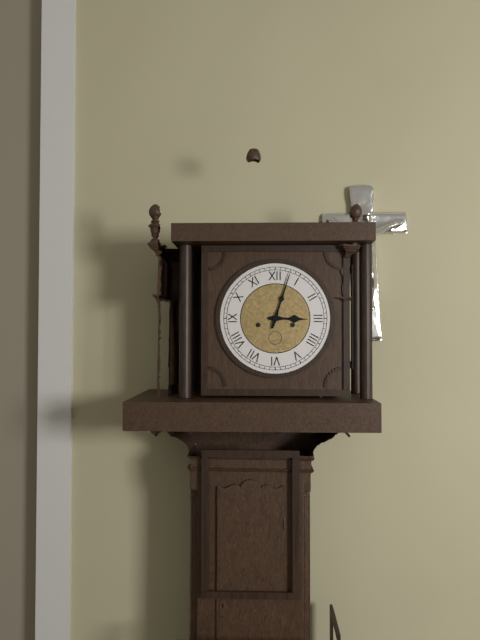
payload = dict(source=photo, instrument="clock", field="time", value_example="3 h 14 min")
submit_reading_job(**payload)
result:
3 h 03 min
